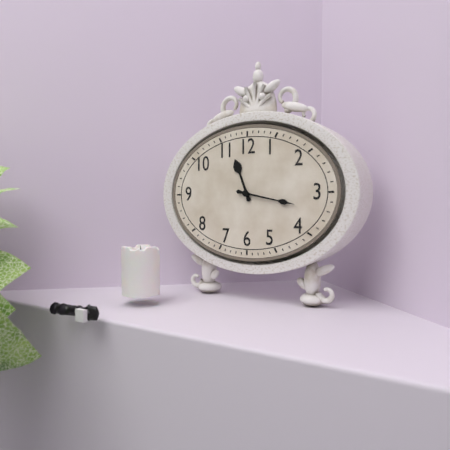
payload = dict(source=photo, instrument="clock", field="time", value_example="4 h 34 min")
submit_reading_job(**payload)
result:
11 h 17 min
